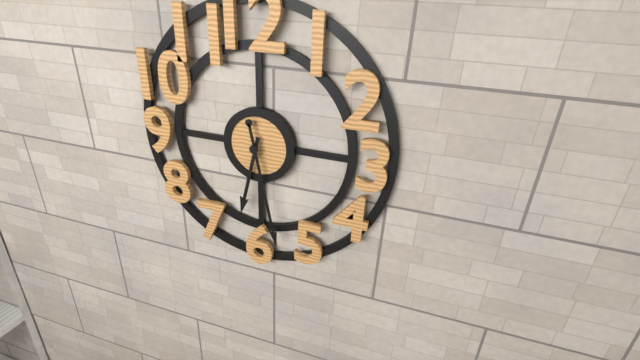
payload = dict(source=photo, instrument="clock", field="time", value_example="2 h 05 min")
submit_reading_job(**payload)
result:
6 h 28 min
